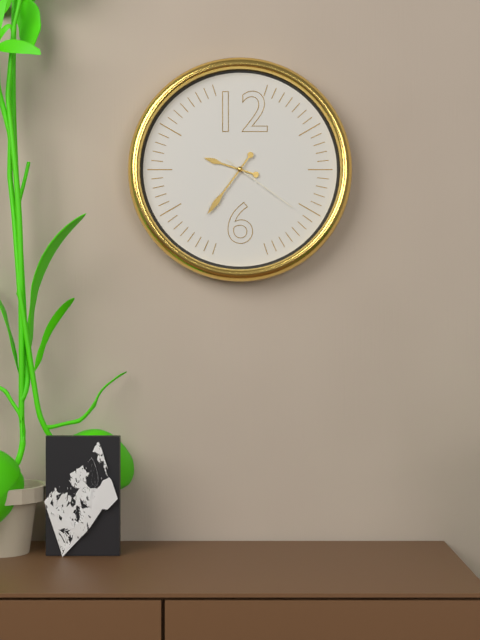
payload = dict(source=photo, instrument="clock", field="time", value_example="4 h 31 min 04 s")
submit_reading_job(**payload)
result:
9 h 36 min 21 s
